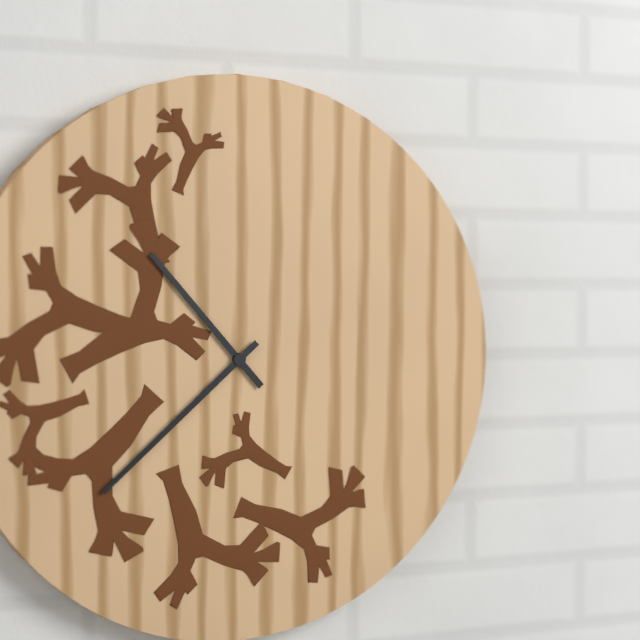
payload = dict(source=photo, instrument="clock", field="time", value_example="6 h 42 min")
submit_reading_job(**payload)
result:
10 h 38 min
